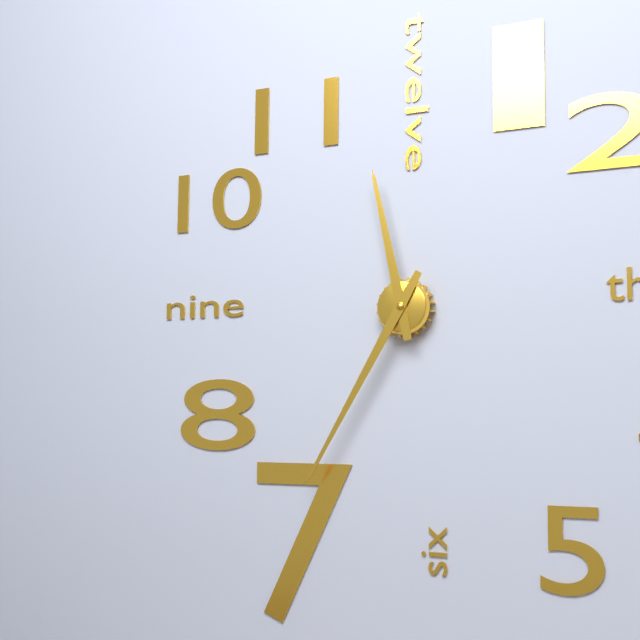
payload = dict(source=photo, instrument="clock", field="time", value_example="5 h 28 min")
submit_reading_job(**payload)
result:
11 h 35 min
